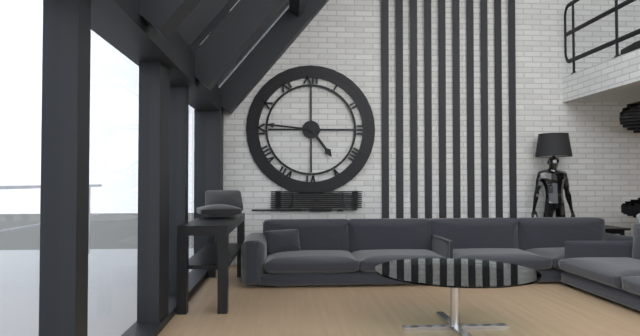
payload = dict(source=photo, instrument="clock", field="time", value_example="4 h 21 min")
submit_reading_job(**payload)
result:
4 h 46 min
